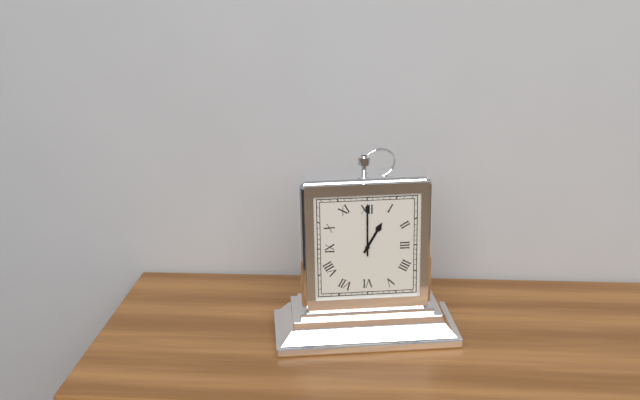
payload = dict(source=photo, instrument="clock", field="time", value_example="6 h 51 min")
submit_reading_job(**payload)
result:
1 h 00 min
